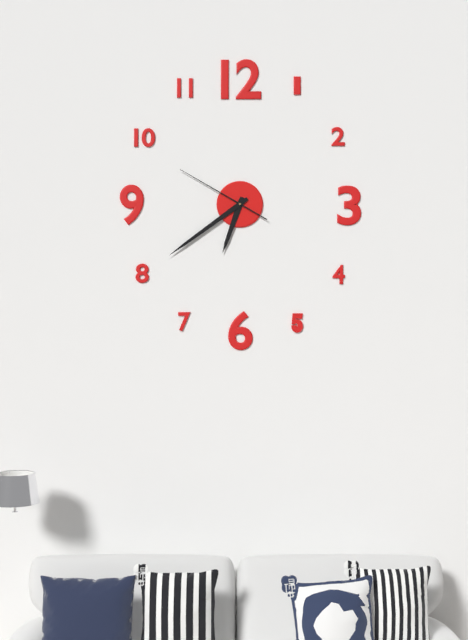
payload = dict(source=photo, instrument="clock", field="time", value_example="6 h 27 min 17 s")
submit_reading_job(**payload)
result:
6 h 39 min 50 s
